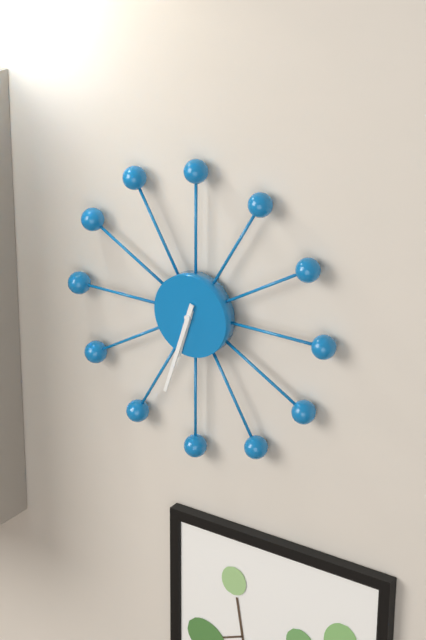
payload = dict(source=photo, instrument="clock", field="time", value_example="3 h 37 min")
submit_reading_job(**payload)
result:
6 h 33 min
